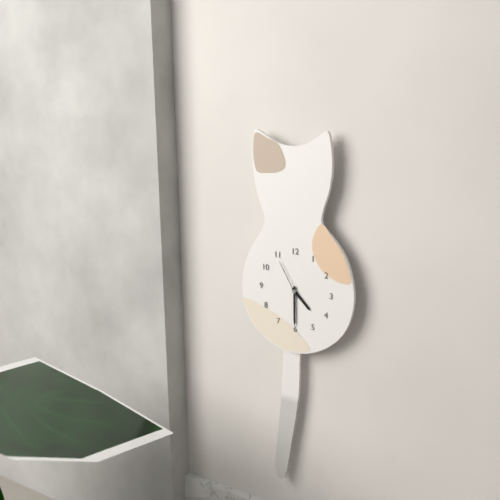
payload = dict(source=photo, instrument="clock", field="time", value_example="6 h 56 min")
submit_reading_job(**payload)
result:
4 h 30 min
